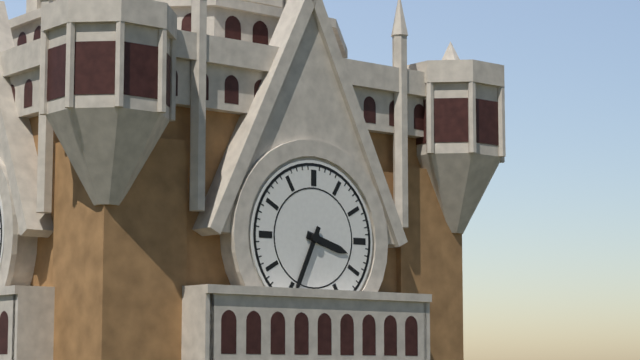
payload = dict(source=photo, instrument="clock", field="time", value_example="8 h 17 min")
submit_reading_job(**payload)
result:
3 h 34 min
